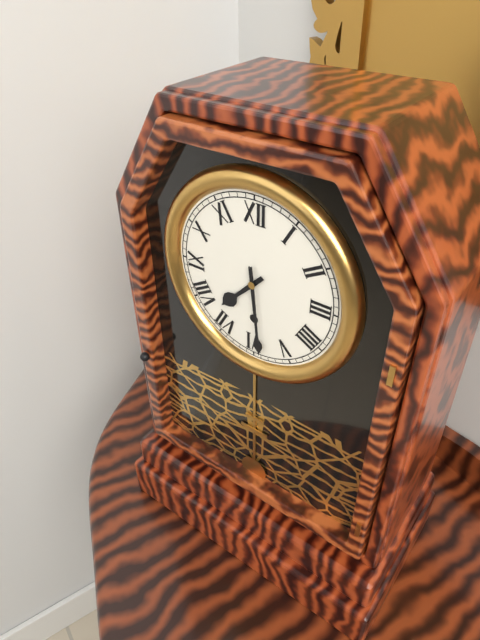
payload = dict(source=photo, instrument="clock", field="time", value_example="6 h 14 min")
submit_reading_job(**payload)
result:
7 h 29 min
